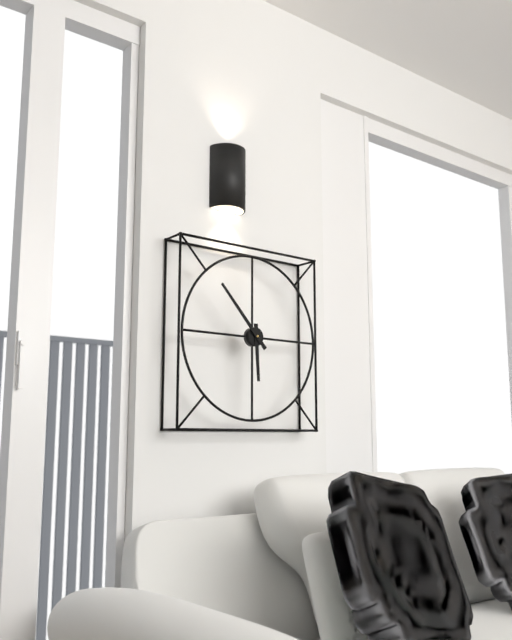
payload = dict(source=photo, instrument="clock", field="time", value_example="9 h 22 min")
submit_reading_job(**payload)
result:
5 h 53 min
